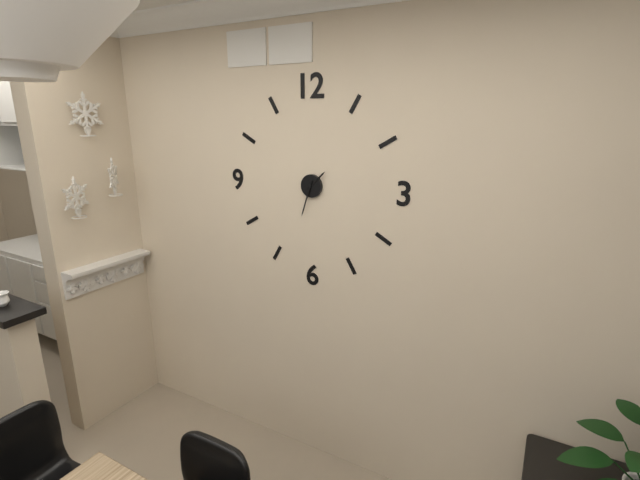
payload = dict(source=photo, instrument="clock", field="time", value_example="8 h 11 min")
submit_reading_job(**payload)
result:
1 h 33 min
